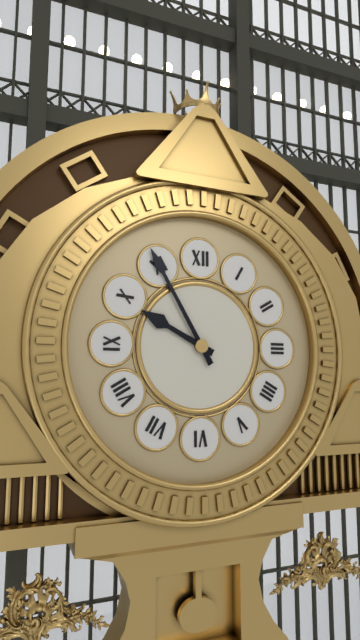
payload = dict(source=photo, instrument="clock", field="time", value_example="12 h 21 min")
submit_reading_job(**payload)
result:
9 h 55 min
